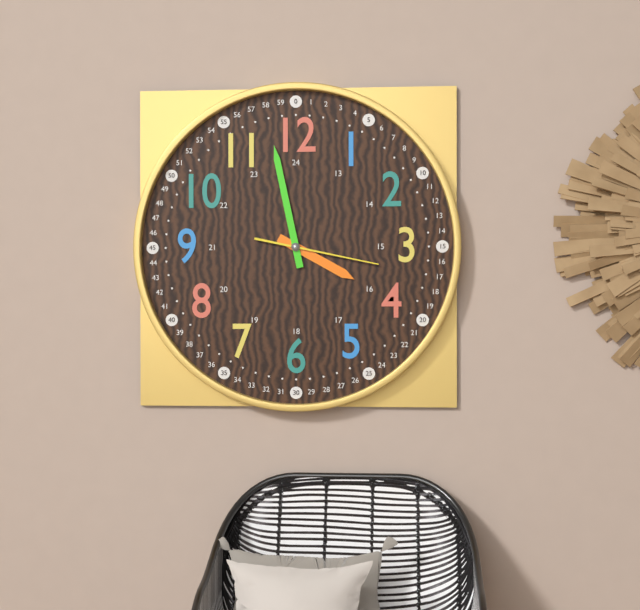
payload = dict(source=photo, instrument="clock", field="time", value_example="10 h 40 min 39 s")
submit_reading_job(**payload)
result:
3 h 58 min 17 s
